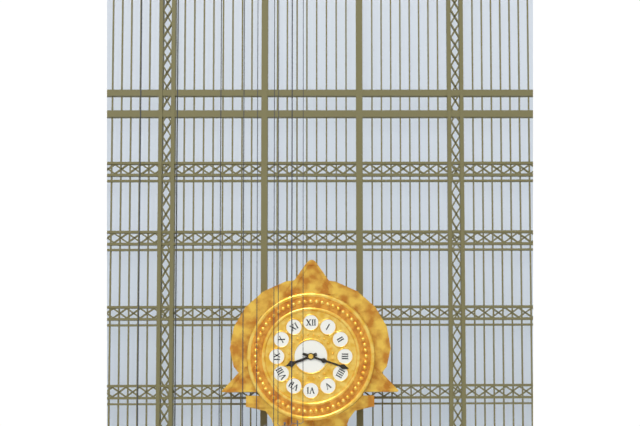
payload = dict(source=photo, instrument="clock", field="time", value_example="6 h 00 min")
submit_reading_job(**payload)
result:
8 h 18 min
